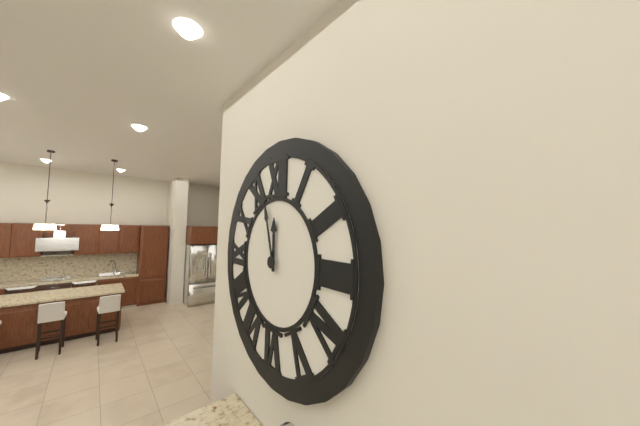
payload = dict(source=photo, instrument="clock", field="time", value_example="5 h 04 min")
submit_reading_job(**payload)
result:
11 h 57 min
